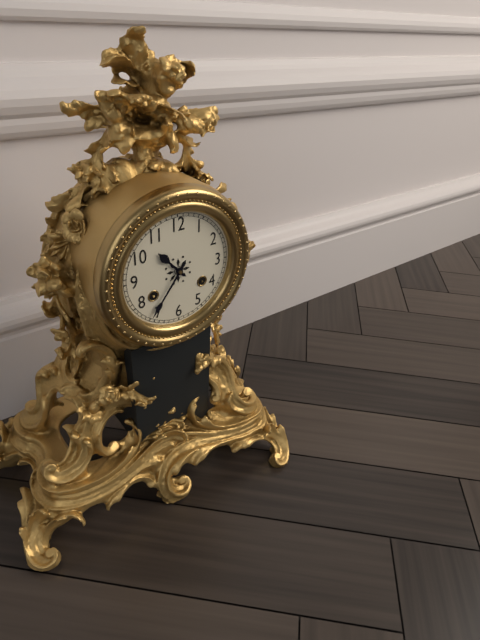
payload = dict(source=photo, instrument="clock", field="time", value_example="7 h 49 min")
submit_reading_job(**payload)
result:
10 h 36 min
